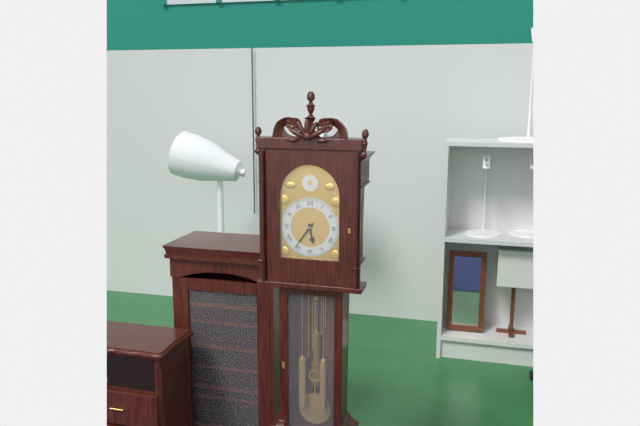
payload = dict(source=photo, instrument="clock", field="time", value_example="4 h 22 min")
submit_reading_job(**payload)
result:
5 h 36 min
